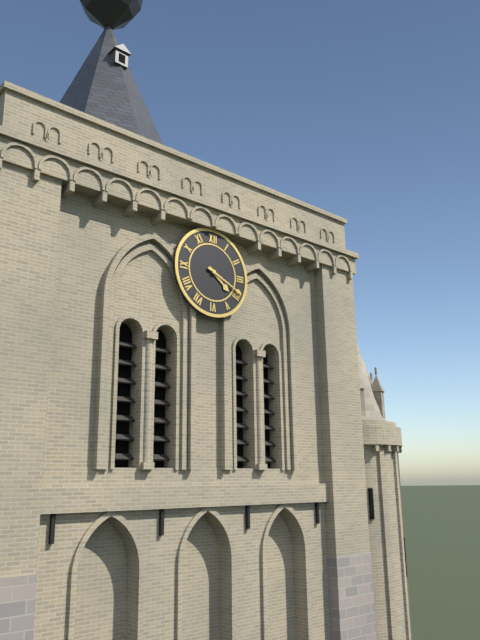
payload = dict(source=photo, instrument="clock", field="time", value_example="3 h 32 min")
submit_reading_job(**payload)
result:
4 h 19 min
